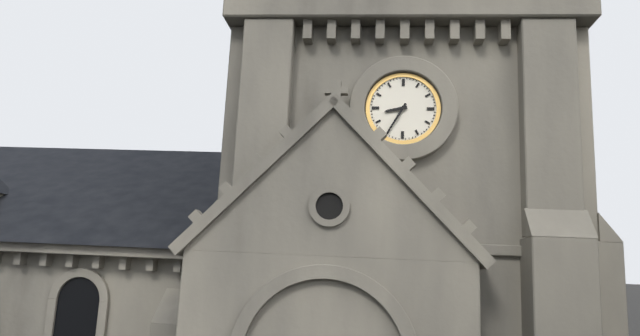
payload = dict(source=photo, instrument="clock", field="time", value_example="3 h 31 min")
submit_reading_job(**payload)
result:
8 h 35 min
